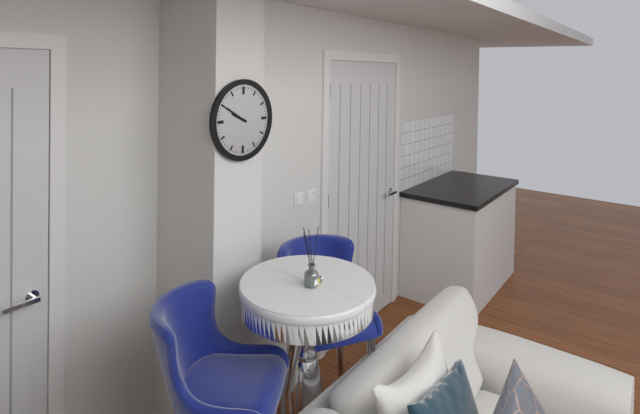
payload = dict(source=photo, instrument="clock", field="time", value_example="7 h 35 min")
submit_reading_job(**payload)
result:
9 h 50 min
